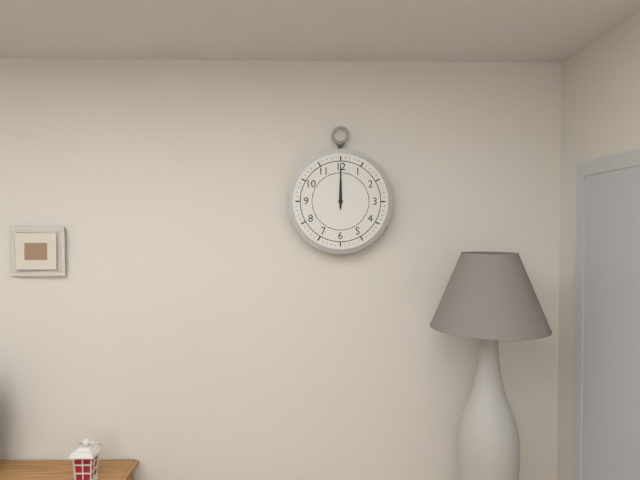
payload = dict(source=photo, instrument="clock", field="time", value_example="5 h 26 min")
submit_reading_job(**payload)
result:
12 h 00 min
